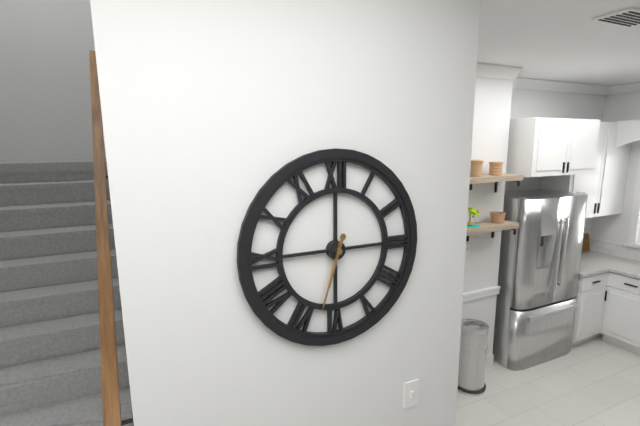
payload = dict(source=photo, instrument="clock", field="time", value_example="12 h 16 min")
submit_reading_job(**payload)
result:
6 h 33 min
